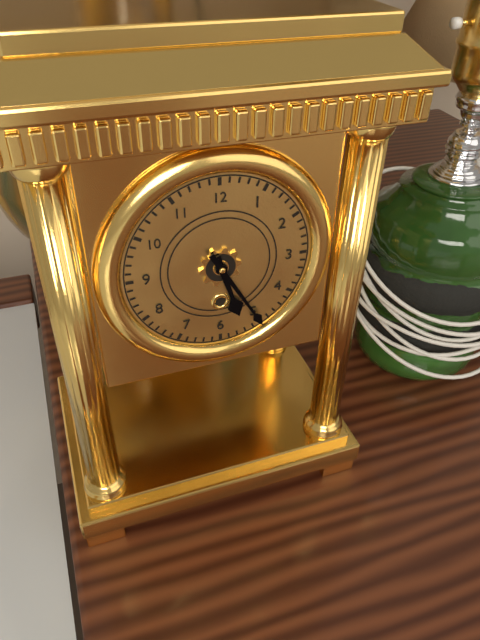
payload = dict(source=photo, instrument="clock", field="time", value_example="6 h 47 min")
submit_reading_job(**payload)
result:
5 h 25 min
